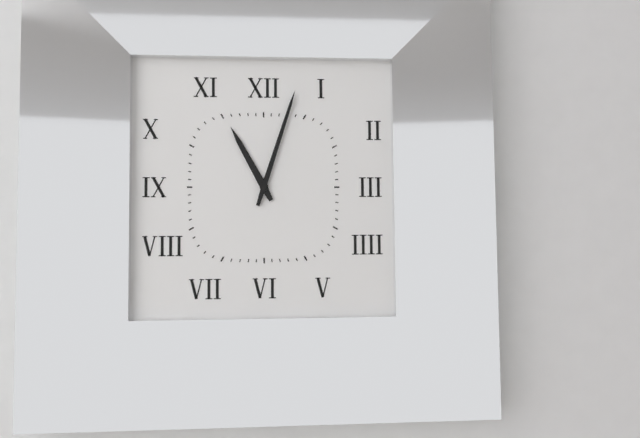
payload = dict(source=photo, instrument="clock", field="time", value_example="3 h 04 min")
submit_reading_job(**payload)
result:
11 h 03 min
